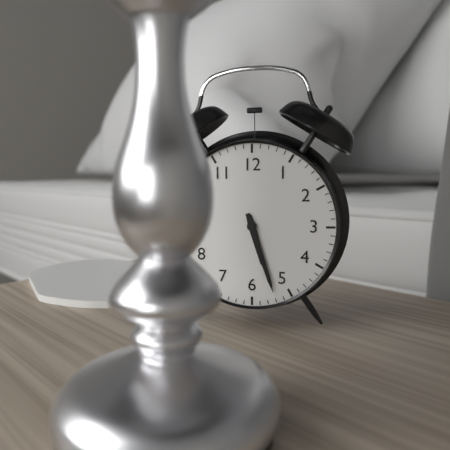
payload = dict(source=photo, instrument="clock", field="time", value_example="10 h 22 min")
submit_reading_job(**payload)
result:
5 h 27 min
